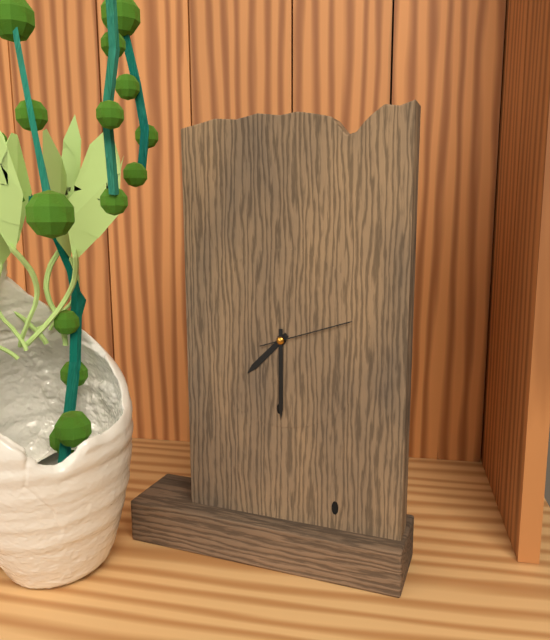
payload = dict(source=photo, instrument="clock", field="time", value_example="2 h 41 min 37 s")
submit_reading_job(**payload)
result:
7 h 30 min 12 s
